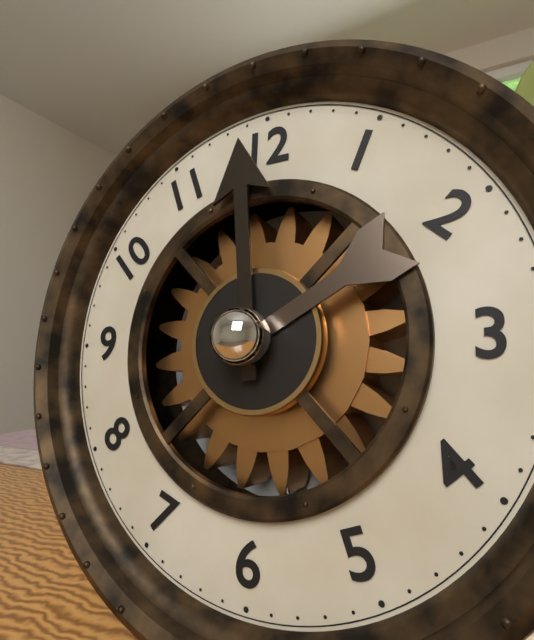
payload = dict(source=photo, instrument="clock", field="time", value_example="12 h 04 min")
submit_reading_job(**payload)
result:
1 h 59 min
